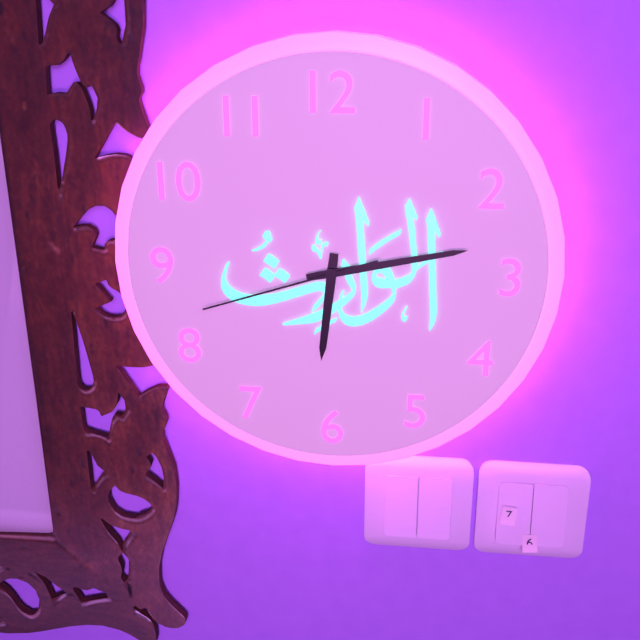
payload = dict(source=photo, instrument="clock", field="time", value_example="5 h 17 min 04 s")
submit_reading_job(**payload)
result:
6 h 13 min 42 s
